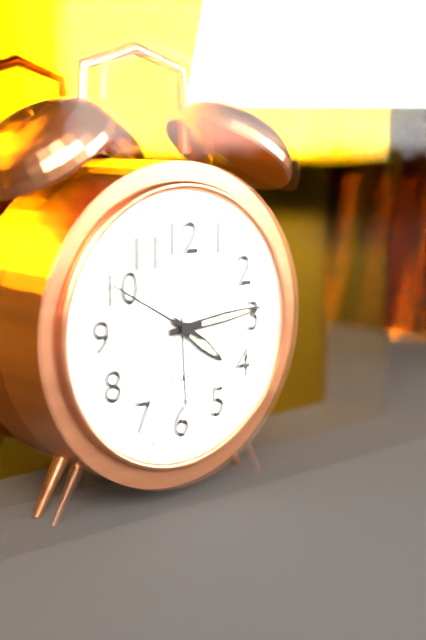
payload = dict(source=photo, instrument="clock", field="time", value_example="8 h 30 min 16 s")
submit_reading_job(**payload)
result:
4 h 14 min 50 s
